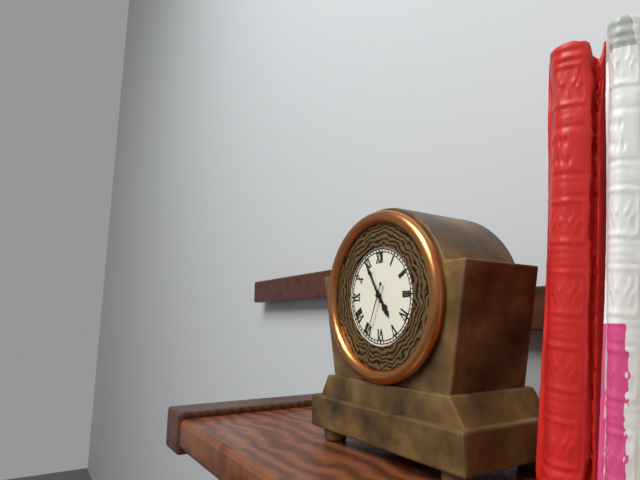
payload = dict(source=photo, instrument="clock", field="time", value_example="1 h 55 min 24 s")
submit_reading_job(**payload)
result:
4 h 55 min 34 s
